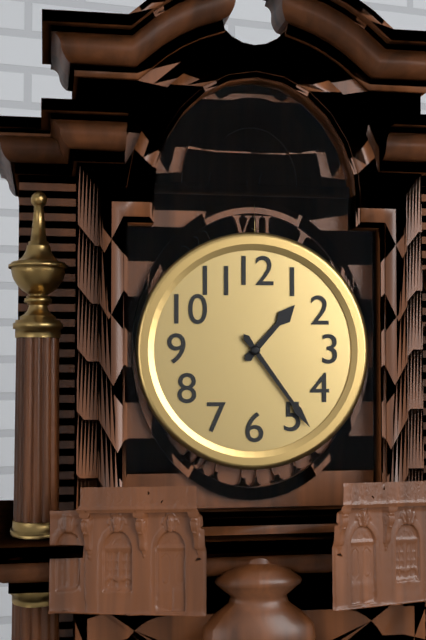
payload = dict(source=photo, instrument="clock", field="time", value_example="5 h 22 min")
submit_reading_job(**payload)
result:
1 h 24 min
